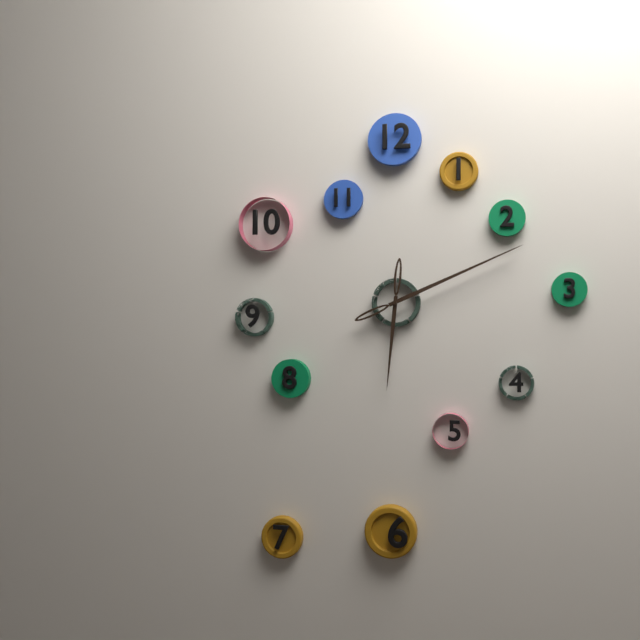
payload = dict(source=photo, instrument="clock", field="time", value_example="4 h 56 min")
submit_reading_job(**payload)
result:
6 h 11 min
